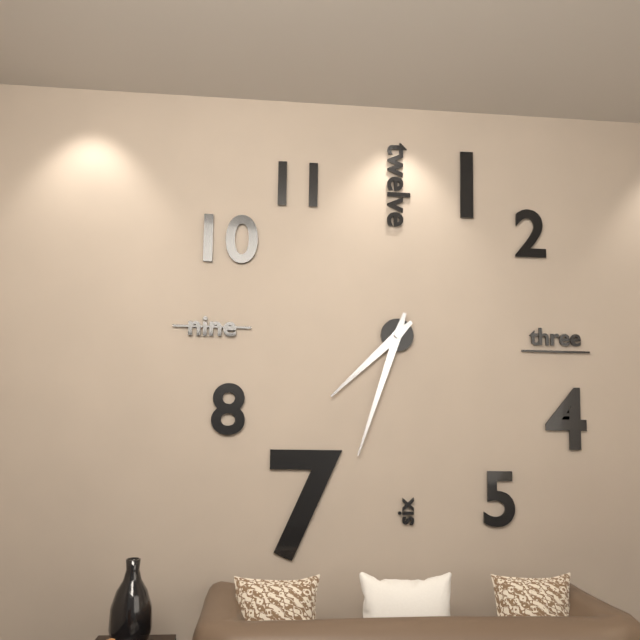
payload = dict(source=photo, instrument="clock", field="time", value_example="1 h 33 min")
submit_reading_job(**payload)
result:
7 h 33 min
